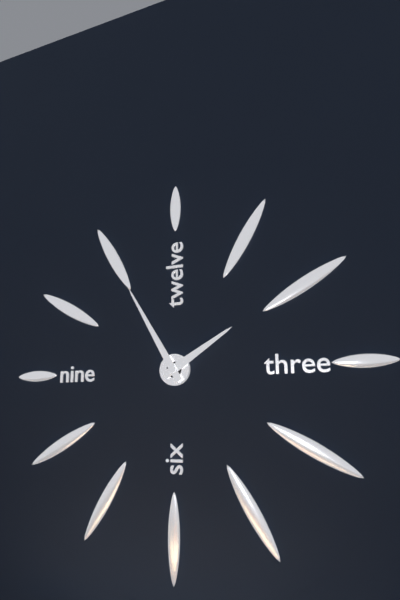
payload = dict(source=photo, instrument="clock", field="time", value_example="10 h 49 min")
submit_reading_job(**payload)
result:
1 h 55 min
